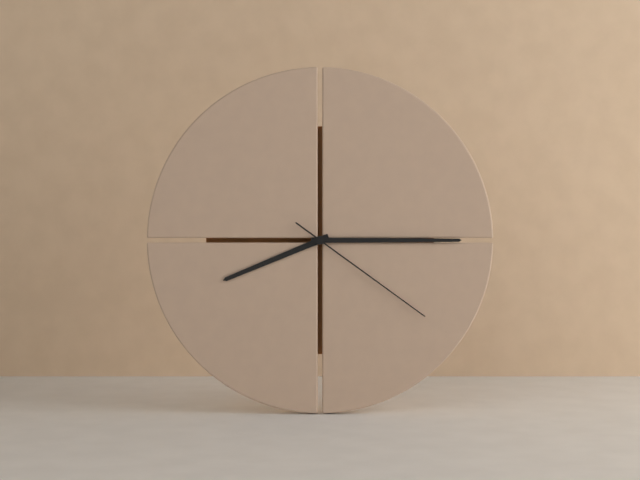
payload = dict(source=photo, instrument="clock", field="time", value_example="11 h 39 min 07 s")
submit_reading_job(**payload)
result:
8 h 15 min 21 s
